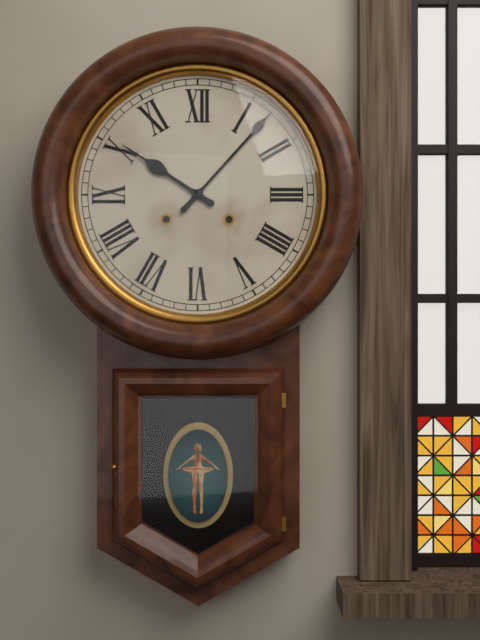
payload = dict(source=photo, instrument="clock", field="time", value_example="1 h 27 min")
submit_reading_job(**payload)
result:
10 h 07 min
